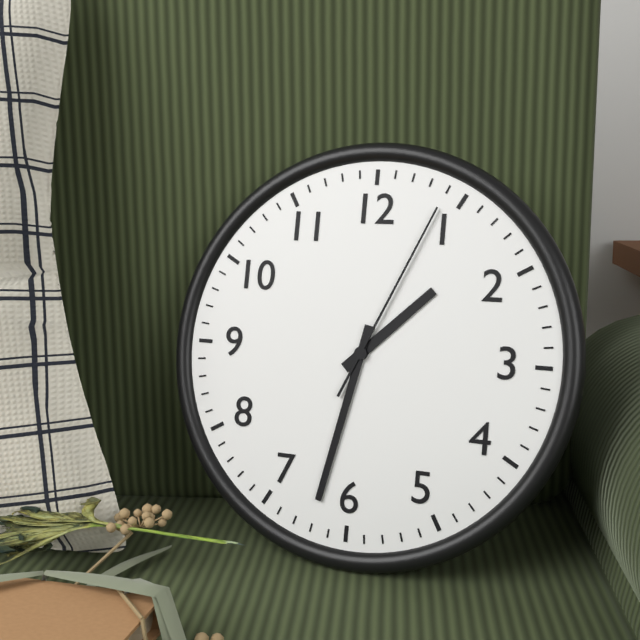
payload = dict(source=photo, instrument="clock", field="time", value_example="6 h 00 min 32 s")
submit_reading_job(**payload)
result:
1 h 32 min 04 s
